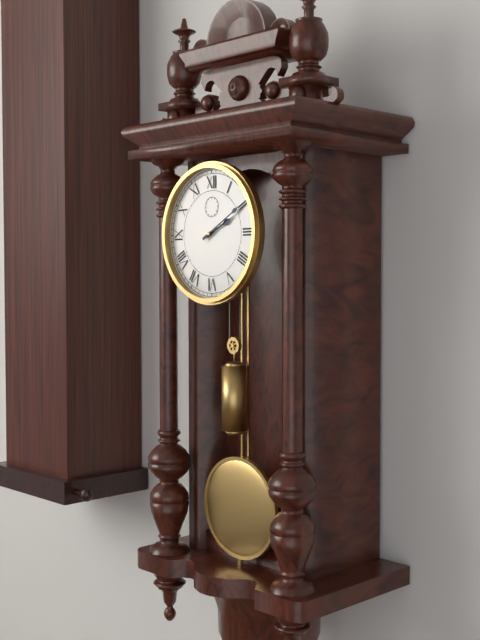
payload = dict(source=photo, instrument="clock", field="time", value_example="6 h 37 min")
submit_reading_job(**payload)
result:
2 h 10 min
